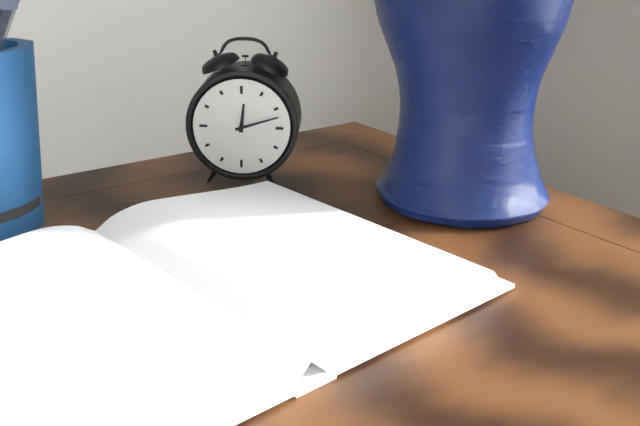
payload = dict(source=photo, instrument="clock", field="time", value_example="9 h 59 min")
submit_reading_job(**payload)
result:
12 h 12 min
